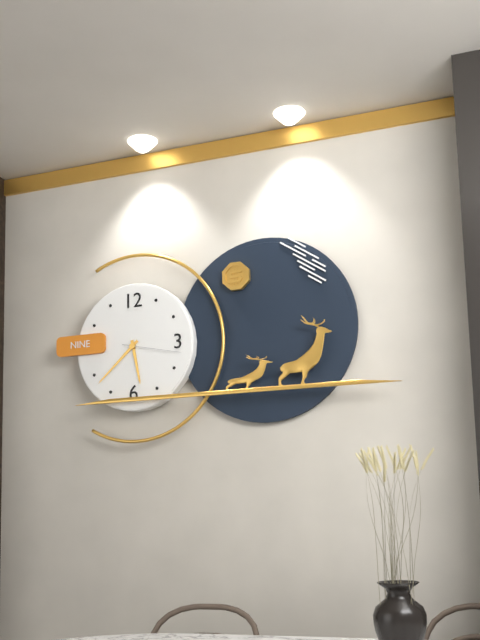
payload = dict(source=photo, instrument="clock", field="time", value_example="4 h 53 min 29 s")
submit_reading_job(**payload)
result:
5 h 38 min 17 s
